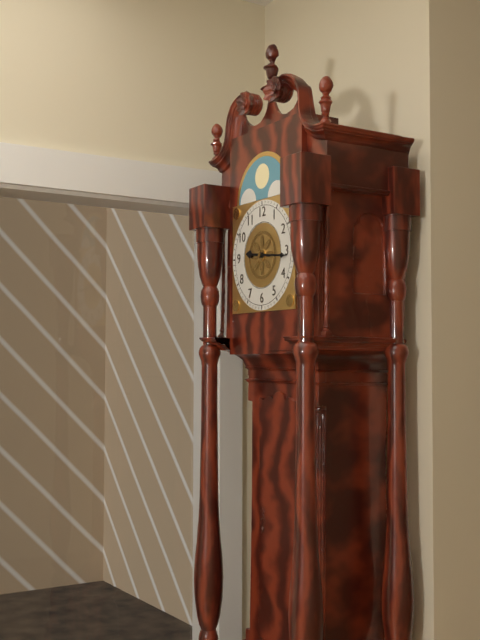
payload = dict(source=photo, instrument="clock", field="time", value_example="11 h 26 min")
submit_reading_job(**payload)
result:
9 h 16 min
